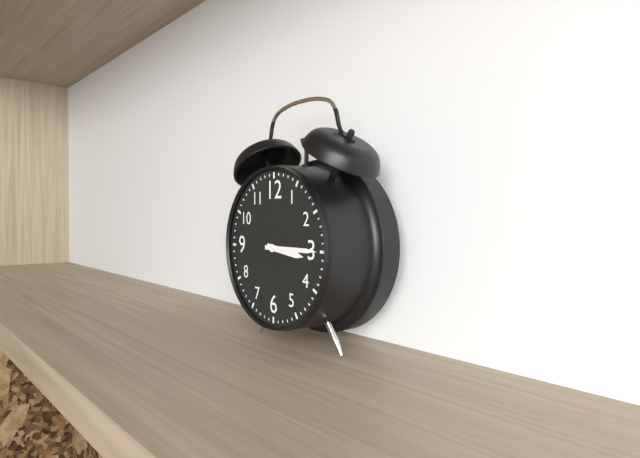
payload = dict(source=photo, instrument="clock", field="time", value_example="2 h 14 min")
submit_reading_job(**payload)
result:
3 h 15 min
